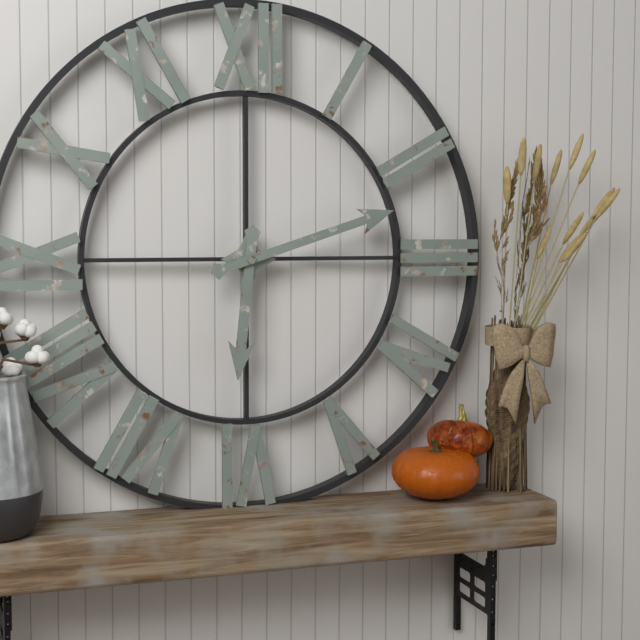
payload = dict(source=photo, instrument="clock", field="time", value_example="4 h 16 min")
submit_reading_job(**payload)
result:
6 h 12 min
